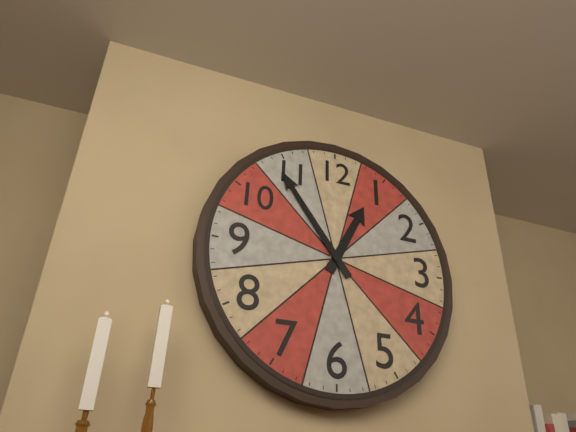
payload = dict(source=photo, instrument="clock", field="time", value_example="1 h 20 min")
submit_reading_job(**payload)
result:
12 h 54 min
